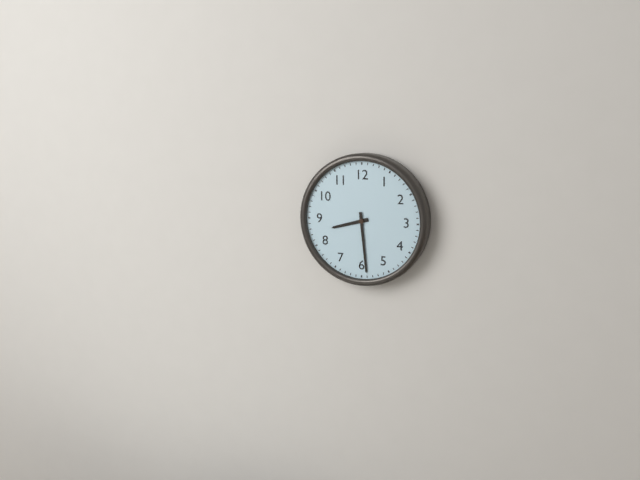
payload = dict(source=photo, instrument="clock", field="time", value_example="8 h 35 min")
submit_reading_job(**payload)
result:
8 h 29 min
